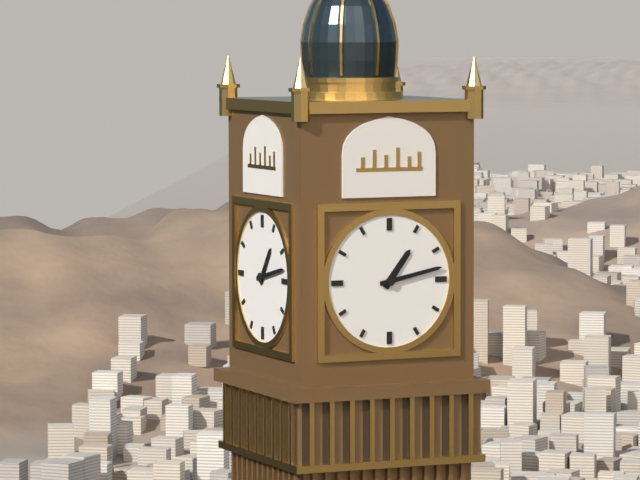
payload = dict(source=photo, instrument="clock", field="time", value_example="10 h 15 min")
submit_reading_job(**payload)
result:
1 h 13 min
